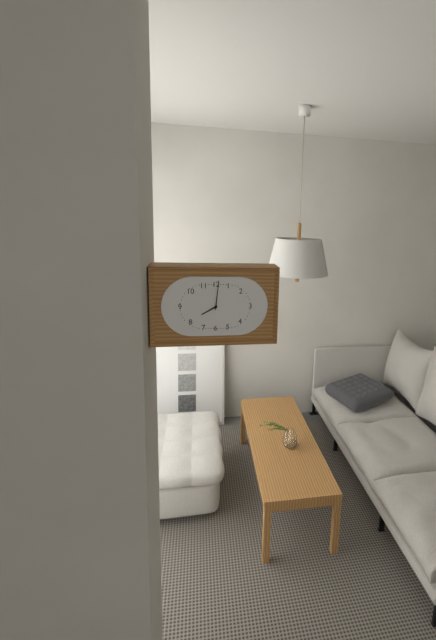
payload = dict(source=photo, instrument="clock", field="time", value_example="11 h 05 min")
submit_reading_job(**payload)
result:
8 h 01 min
